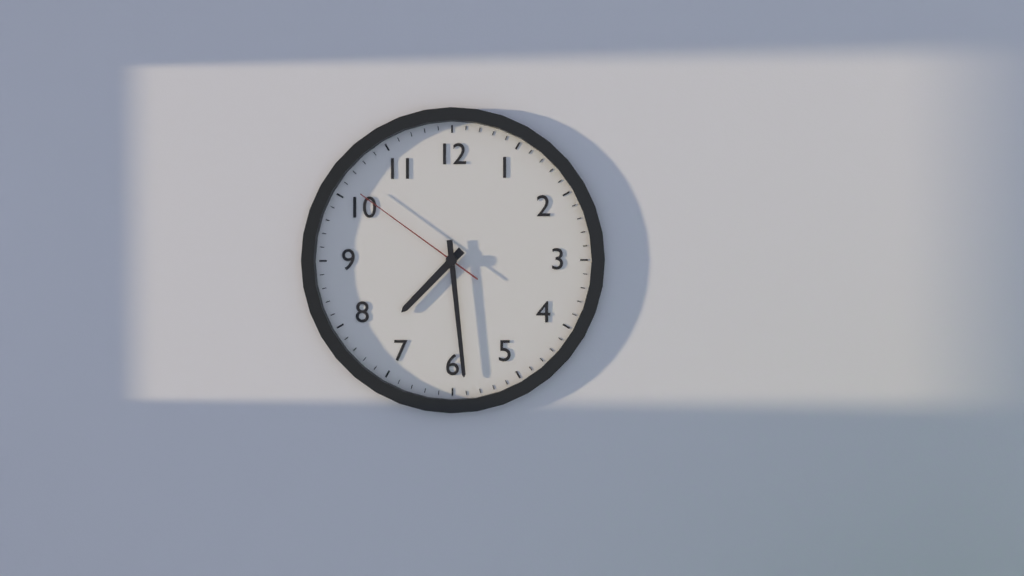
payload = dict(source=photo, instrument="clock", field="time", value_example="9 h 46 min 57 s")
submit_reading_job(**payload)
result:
7 h 29 min 51 s
